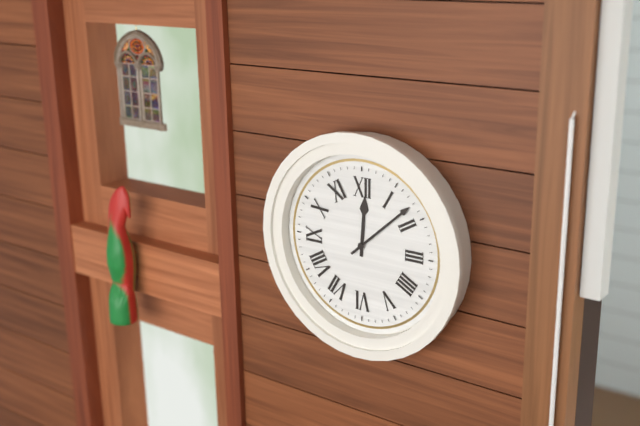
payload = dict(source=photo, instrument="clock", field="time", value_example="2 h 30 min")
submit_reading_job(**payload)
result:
12 h 08 min
